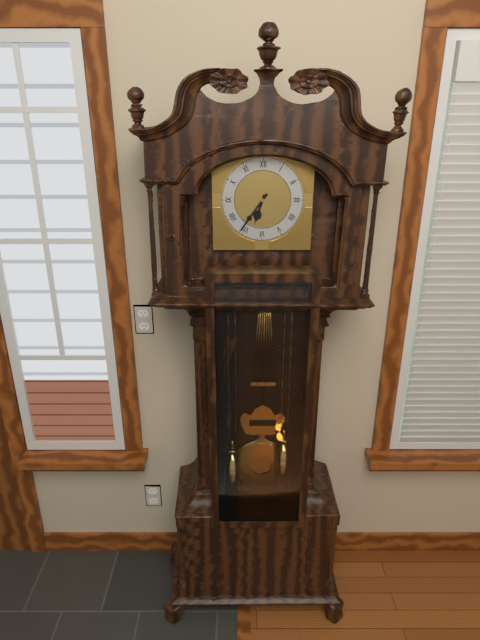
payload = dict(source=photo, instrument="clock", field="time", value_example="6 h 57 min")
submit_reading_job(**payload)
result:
6 h 36 min
